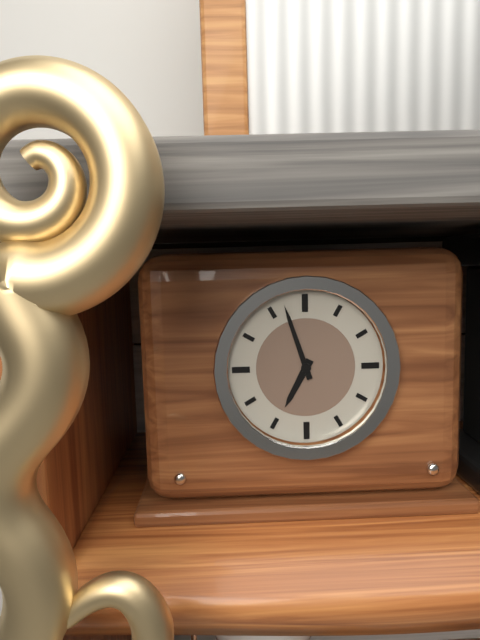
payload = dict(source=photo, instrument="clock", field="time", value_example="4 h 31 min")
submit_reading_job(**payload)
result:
6 h 57 min
